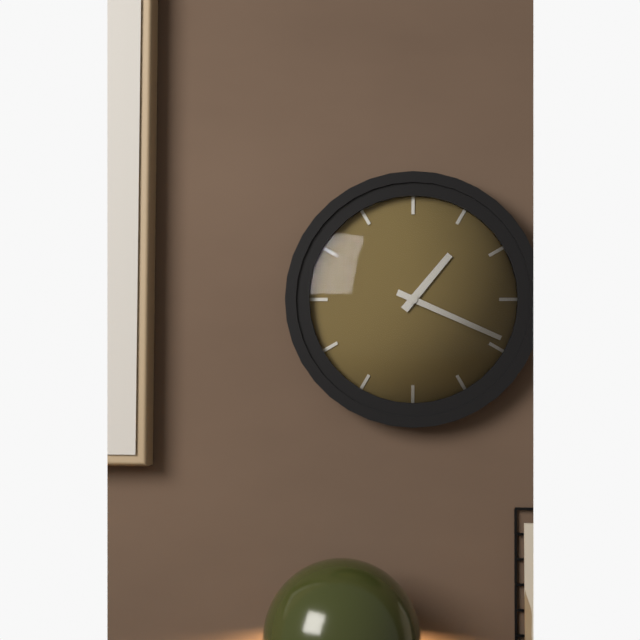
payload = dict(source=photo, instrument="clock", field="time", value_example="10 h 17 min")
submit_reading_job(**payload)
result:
1 h 19 min
